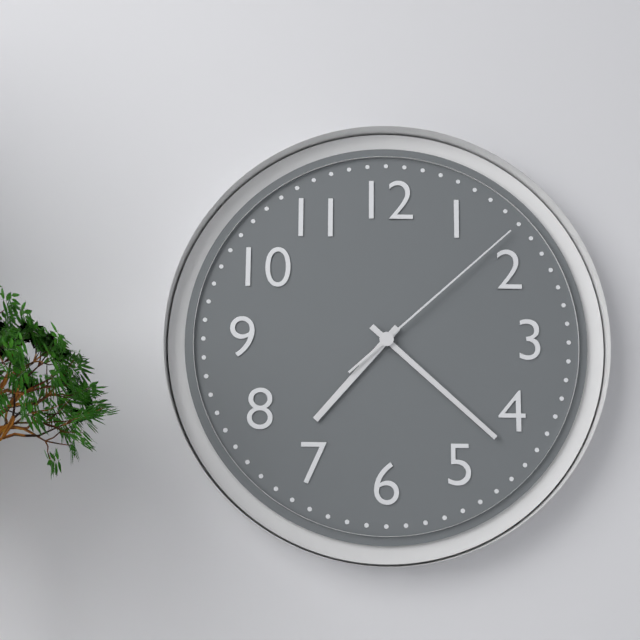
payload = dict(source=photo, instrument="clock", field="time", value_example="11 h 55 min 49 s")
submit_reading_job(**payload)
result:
7 h 22 min 08 s
